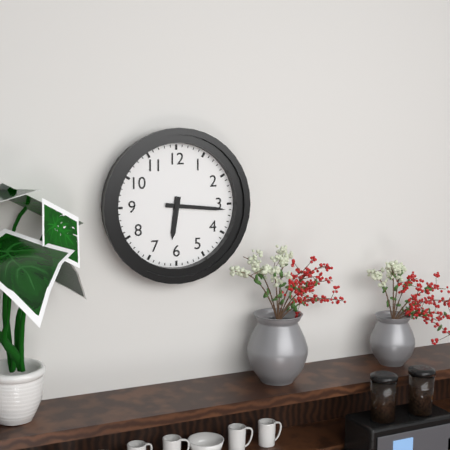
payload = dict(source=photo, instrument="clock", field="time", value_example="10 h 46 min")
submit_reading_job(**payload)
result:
6 h 16 min
